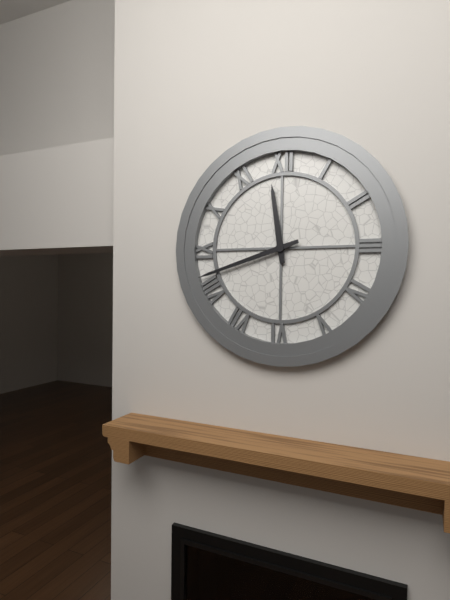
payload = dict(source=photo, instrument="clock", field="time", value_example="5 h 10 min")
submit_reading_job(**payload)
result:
11 h 42 min
